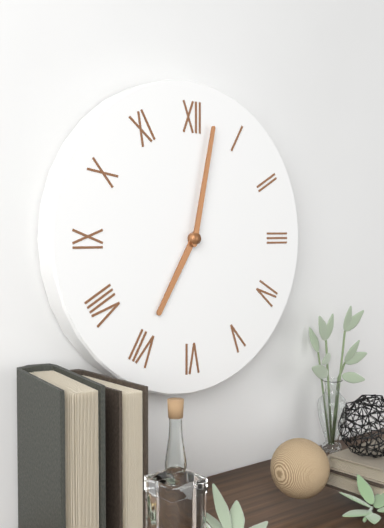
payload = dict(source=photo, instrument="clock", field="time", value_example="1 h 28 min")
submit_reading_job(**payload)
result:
7 h 02 min
